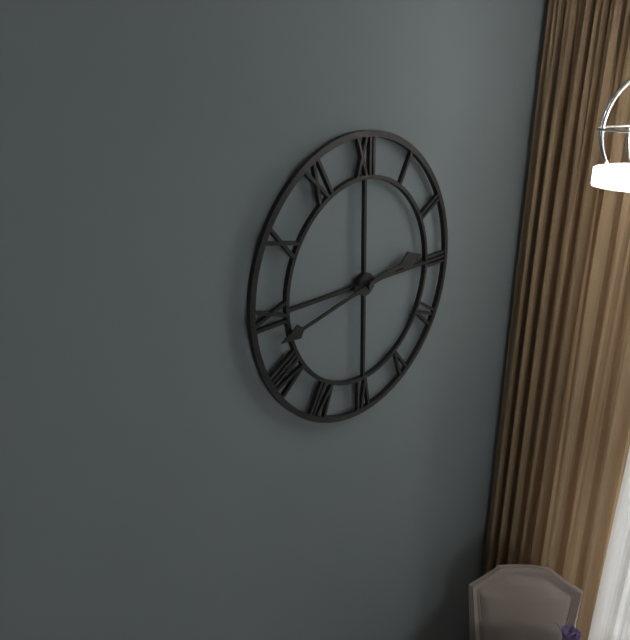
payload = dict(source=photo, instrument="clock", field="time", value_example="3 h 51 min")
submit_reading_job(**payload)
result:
2 h 43 min
